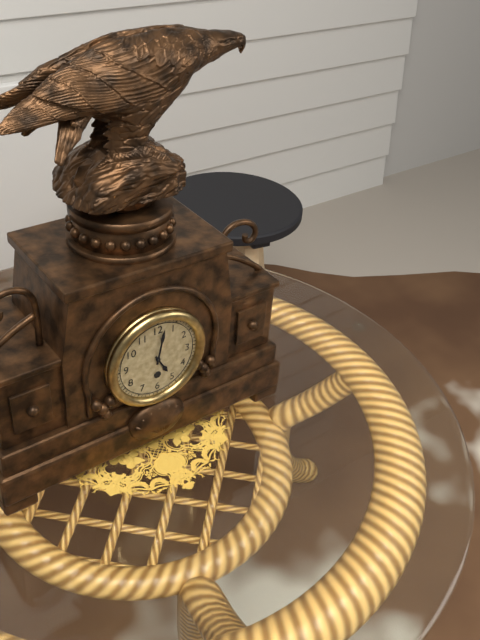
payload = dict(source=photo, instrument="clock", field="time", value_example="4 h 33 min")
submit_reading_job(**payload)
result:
5 h 02 min
